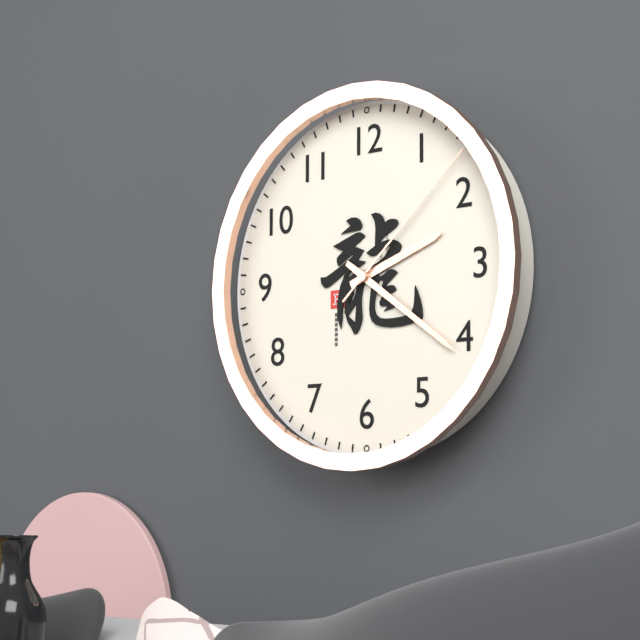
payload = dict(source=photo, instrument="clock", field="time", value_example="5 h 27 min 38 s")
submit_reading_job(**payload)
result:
2 h 21 min 08 s
